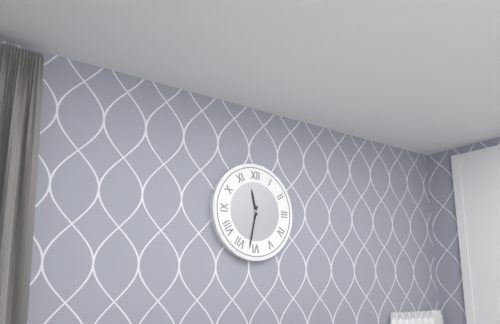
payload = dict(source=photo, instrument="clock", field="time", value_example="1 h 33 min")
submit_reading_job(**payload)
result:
11 h 32 min
